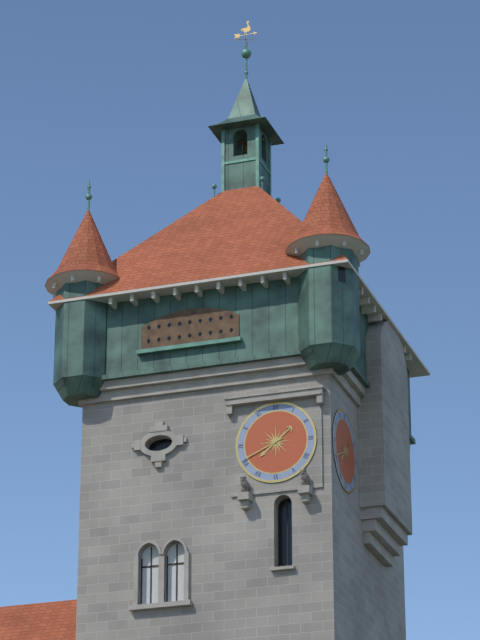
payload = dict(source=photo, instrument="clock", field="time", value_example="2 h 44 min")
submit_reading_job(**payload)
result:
7 h 41 min
